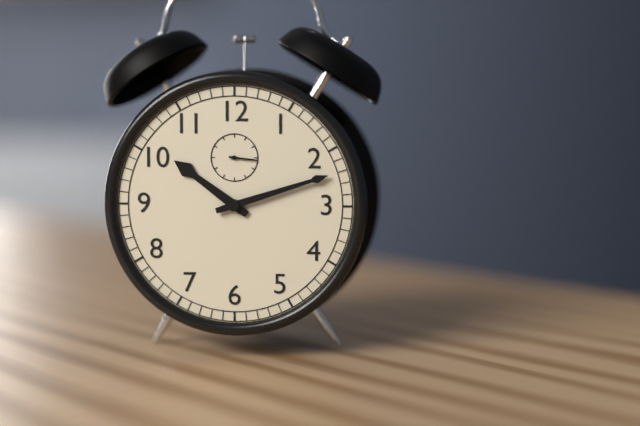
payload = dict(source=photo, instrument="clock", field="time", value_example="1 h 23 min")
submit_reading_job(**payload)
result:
10 h 12 min
